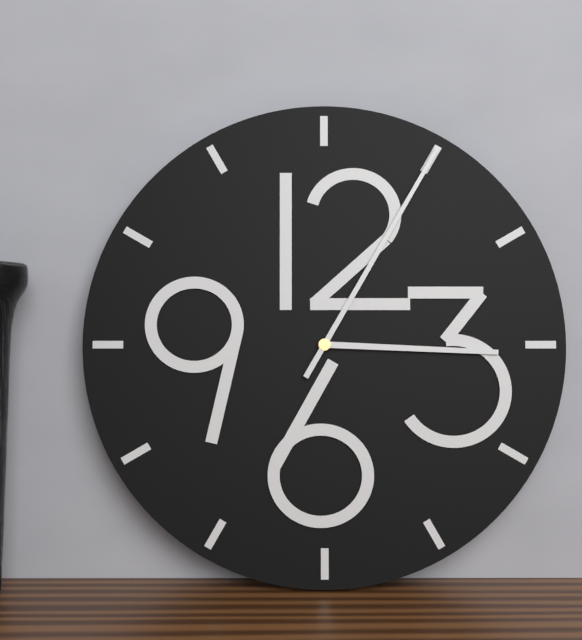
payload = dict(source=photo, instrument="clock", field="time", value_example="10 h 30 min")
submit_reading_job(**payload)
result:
3 h 05 min
